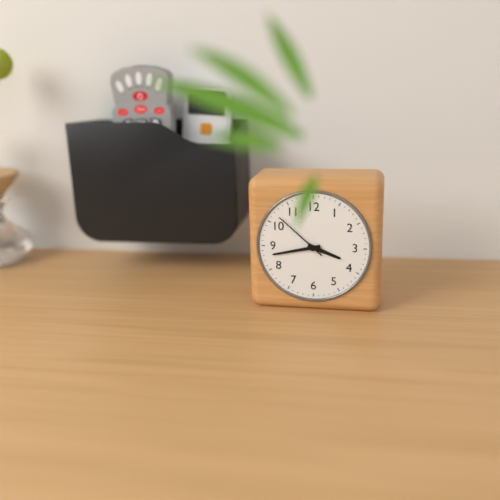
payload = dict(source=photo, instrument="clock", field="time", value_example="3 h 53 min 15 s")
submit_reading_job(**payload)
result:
3 h 43 min 52 s
